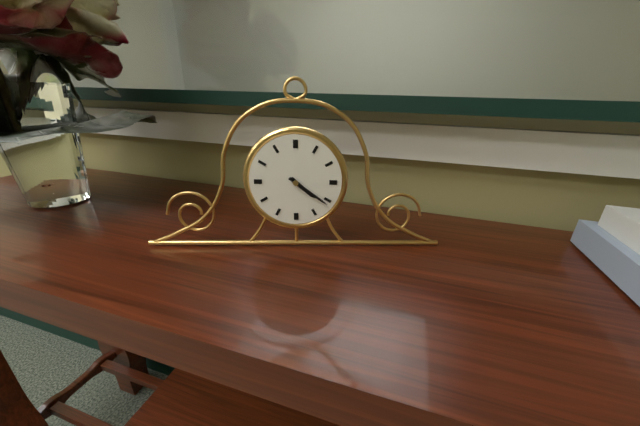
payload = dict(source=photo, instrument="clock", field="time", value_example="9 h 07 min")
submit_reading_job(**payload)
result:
4 h 21 min
